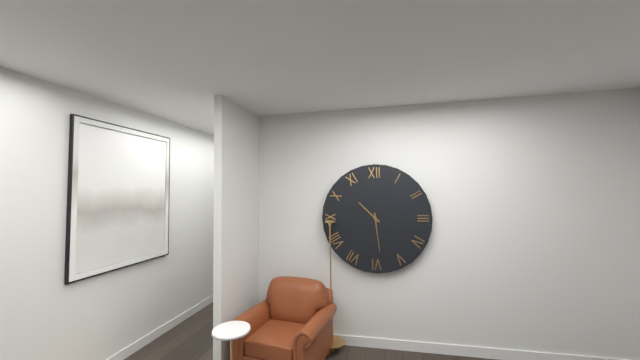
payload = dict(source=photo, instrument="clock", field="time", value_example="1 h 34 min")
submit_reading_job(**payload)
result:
10 h 29 min
